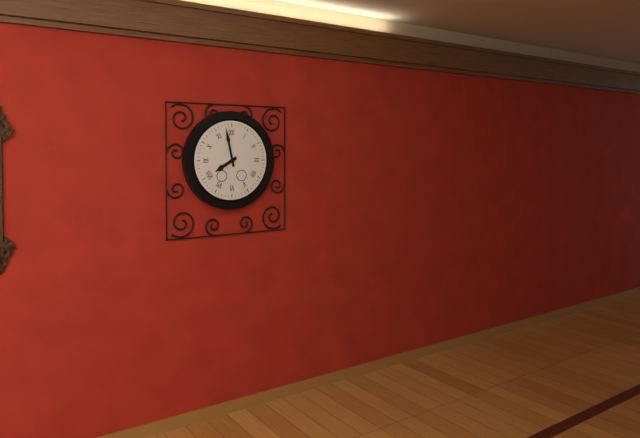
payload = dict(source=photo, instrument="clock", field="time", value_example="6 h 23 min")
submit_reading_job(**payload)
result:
7 h 58 min
